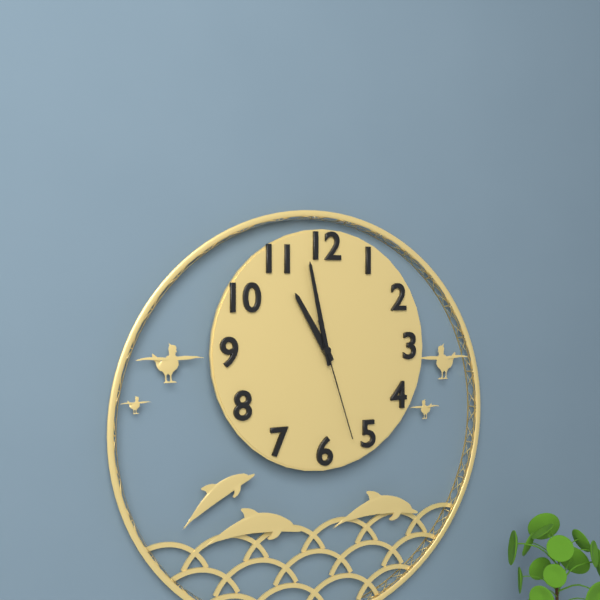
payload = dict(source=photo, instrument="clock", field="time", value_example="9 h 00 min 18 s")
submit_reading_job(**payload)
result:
10 h 58 min 27 s
